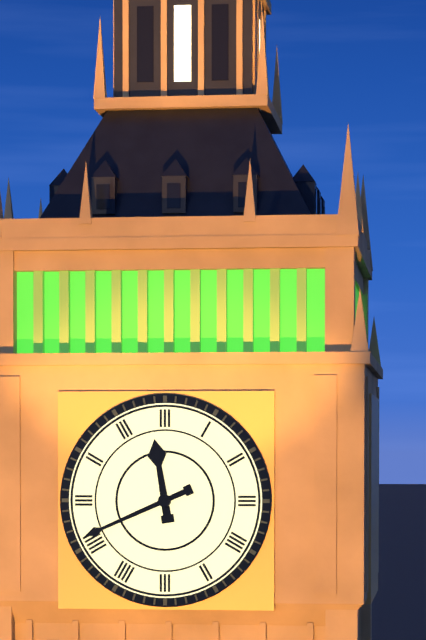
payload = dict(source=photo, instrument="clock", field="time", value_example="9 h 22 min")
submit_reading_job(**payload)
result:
11 h 41 min
